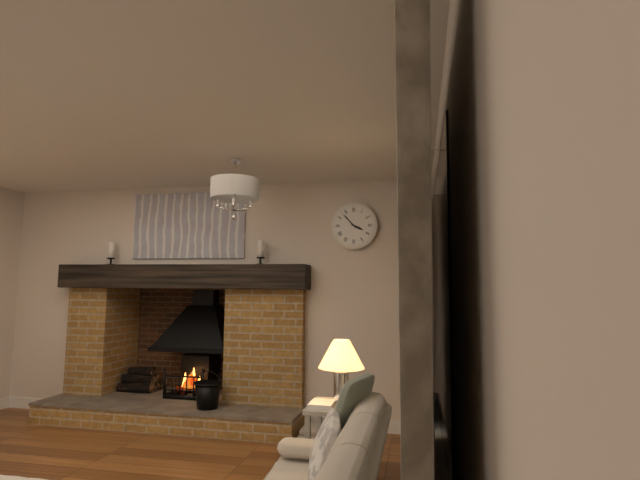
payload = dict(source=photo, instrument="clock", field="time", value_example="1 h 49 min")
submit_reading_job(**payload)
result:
3 h 53 min
